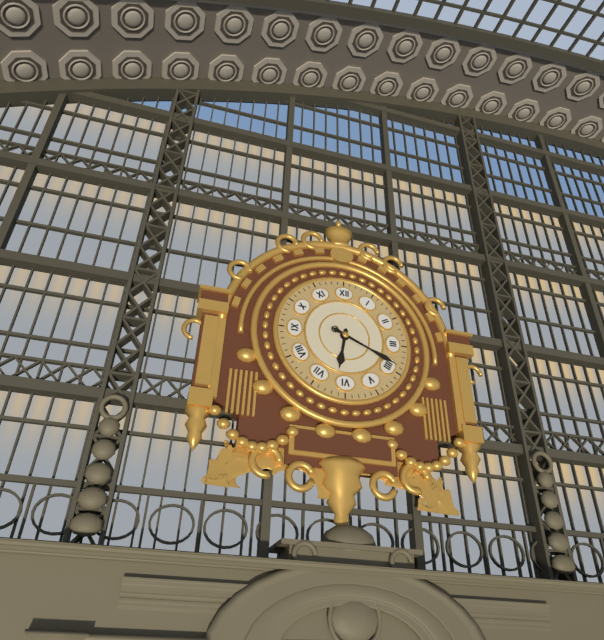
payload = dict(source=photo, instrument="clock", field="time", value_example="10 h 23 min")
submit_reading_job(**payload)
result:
6 h 19 min
